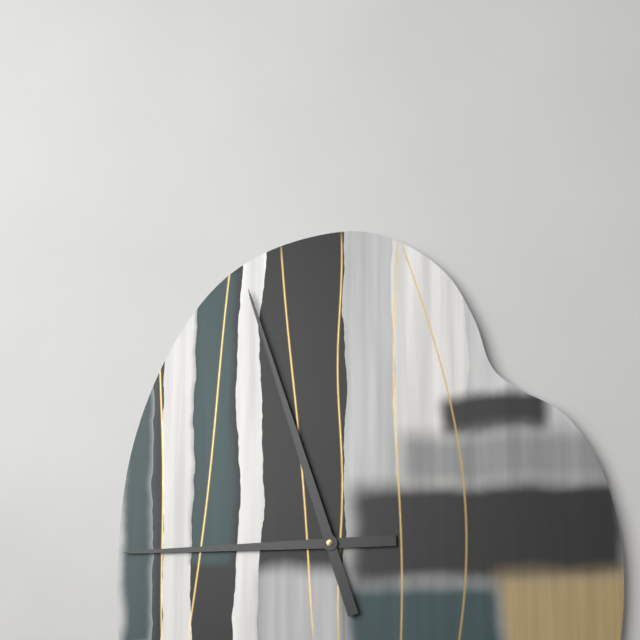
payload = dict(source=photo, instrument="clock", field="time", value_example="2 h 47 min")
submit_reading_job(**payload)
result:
8 h 57 min
